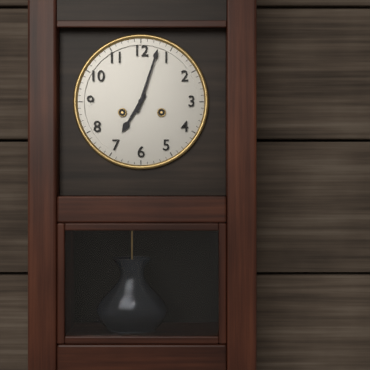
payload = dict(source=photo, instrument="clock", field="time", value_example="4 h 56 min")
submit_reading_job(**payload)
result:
7 h 03 min
